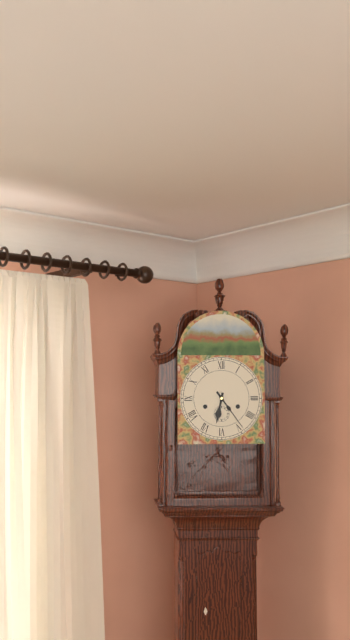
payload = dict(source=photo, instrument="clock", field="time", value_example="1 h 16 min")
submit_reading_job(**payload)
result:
6 h 24 min
